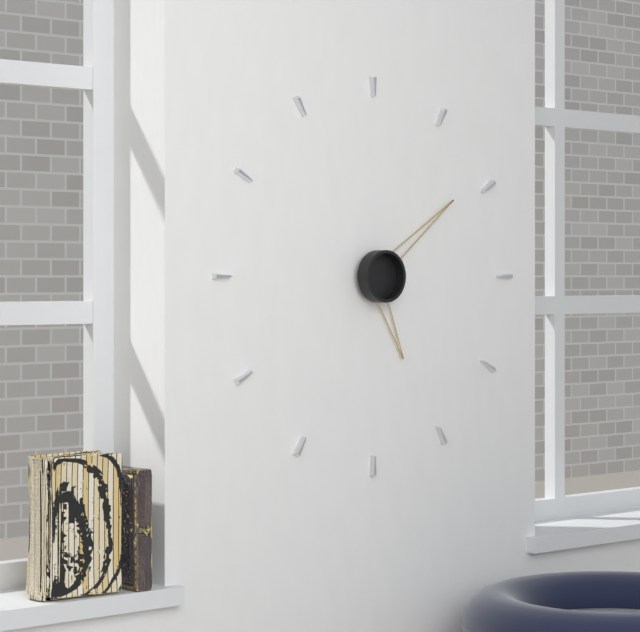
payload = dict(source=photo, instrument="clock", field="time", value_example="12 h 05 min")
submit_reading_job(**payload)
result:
5 h 09 min
